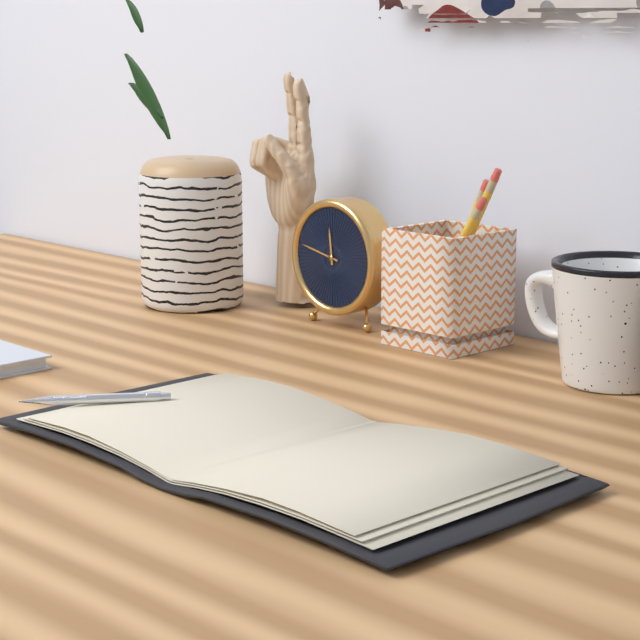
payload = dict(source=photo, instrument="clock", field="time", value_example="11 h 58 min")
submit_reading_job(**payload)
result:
11 h 47 min
